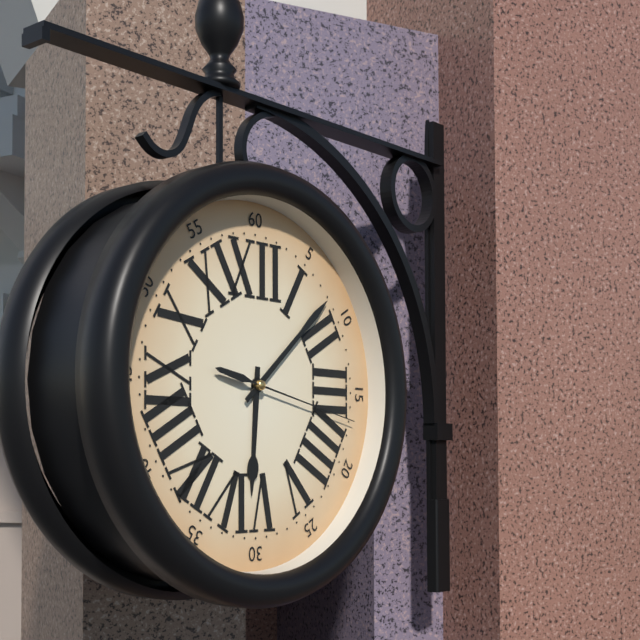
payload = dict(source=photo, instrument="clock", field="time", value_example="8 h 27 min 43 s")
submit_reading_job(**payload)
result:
6 h 08 min 17 s
